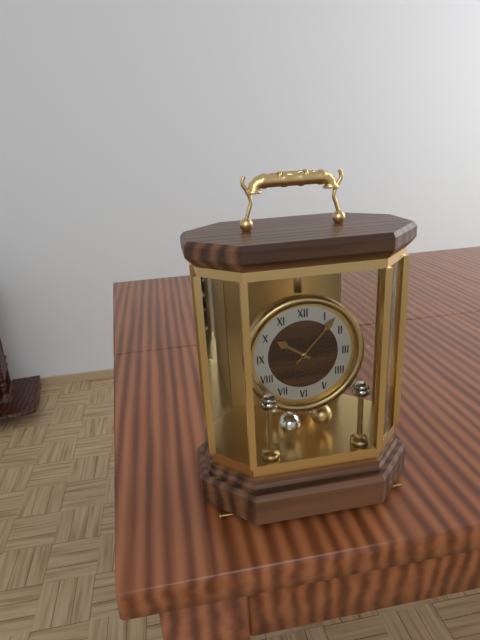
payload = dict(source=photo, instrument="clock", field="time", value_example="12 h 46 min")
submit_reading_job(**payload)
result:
10 h 07 min
